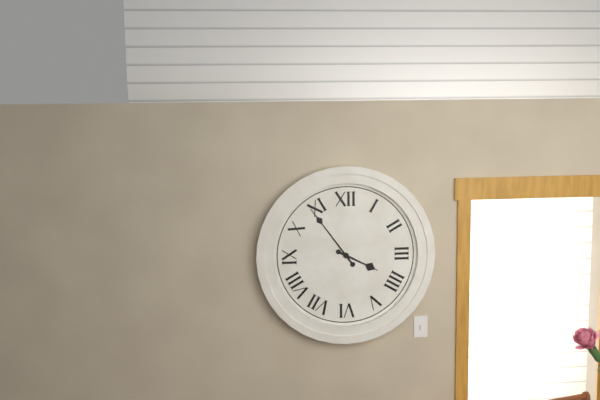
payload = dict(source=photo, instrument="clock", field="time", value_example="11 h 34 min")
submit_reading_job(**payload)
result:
3 h 54 min
